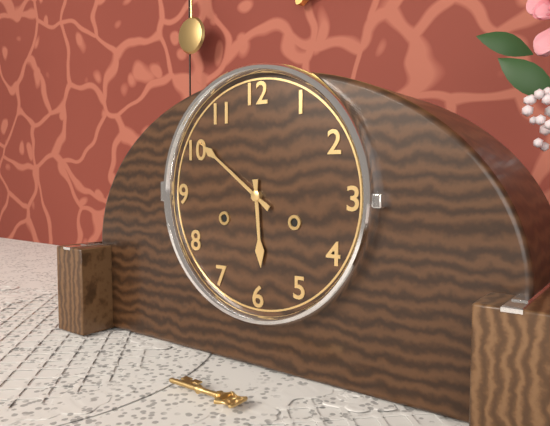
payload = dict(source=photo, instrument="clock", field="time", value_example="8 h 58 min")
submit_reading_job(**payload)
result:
5 h 51 min
